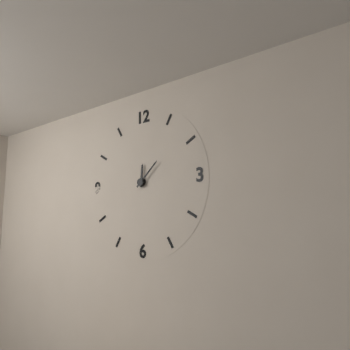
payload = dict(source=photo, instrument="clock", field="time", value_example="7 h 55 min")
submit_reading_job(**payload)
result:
12 h 08 min
